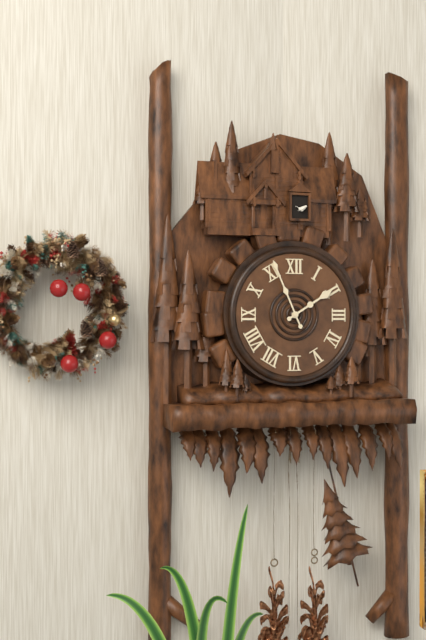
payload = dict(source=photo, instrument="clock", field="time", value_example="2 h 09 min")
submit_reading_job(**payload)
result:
1 h 56 min
